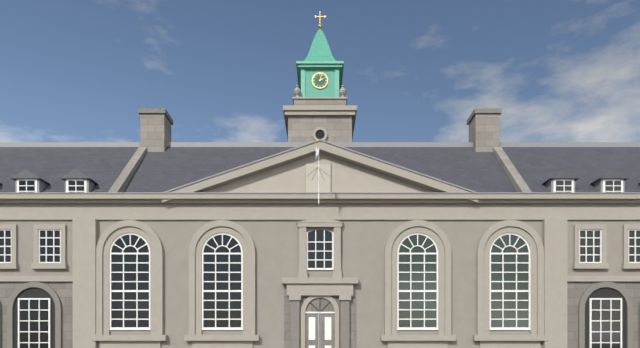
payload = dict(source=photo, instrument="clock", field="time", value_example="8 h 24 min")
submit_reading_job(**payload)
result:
2 h 03 min
